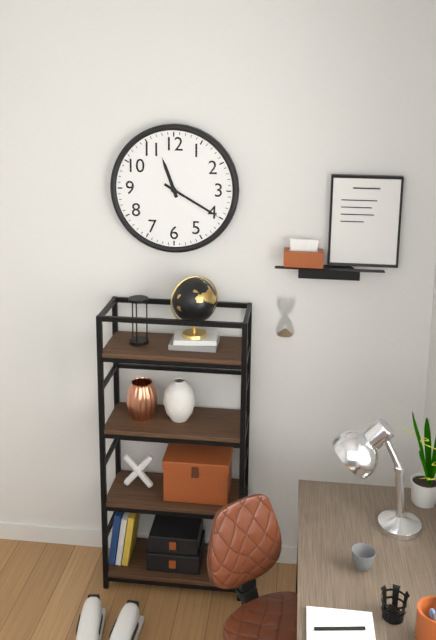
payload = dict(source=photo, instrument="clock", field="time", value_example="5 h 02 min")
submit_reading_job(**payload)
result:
11 h 20 min
